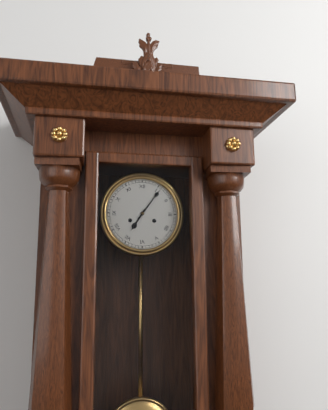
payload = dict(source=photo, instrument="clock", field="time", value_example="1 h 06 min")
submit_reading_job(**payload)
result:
7 h 06 min
